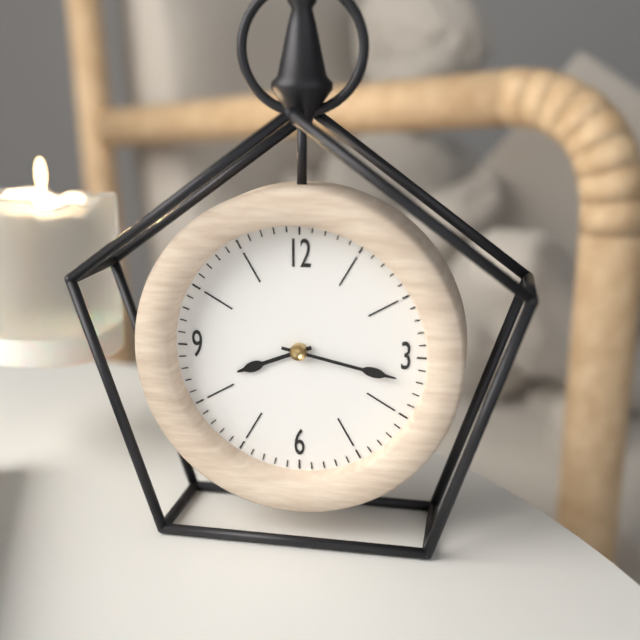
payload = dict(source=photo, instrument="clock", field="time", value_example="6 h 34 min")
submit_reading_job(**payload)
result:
8 h 17 min
